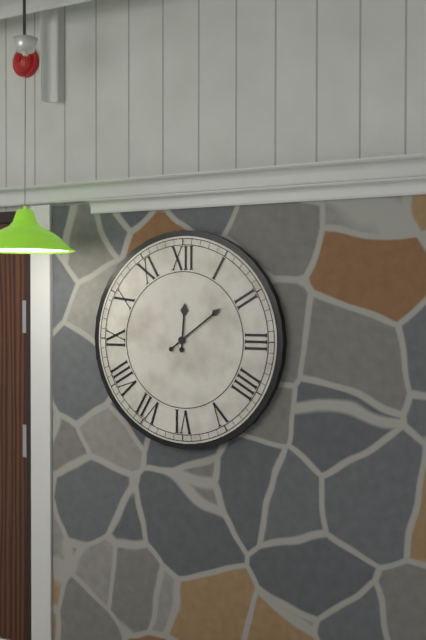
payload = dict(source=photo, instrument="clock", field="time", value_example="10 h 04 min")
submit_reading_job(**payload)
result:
12 h 09 min
